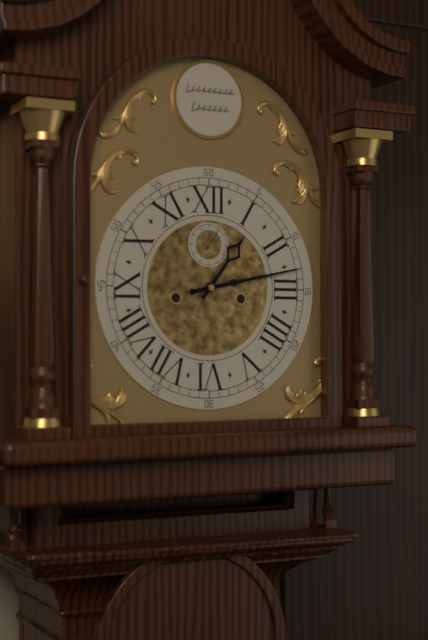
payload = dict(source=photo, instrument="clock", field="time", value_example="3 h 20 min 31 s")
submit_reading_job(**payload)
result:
1 h 13 min 06 s
